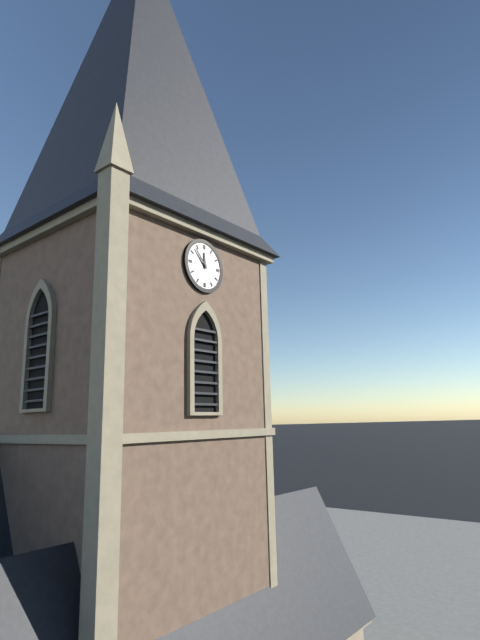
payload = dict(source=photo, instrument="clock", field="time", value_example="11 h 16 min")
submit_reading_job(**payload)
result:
11 h 53 min
